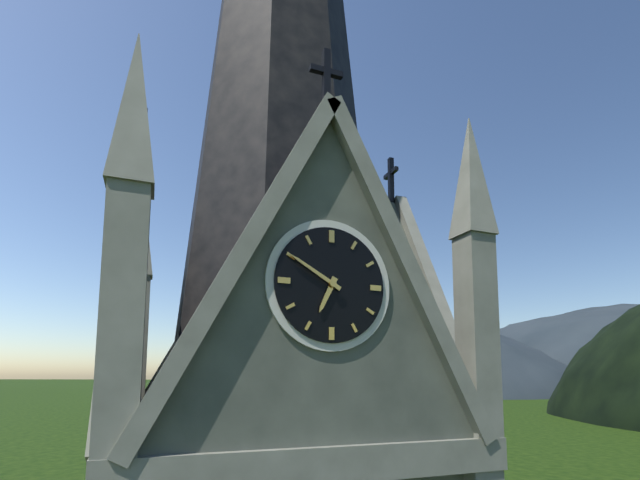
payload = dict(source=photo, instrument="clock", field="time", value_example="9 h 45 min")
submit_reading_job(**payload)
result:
6 h 50 min
